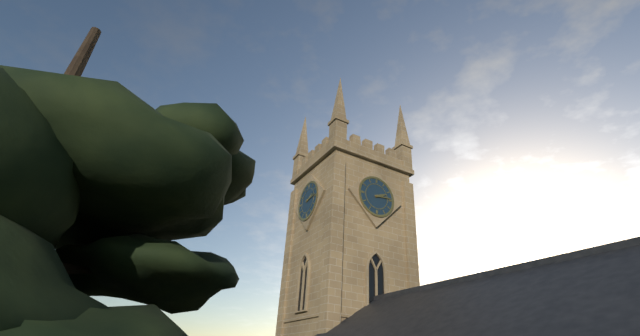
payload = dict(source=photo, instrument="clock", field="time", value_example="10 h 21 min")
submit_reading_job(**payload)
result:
2 h 14 min
